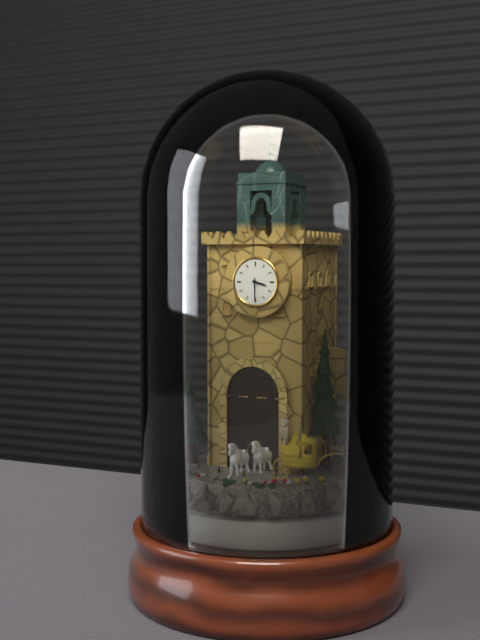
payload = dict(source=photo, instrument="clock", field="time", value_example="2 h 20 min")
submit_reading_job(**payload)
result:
3 h 30 min
